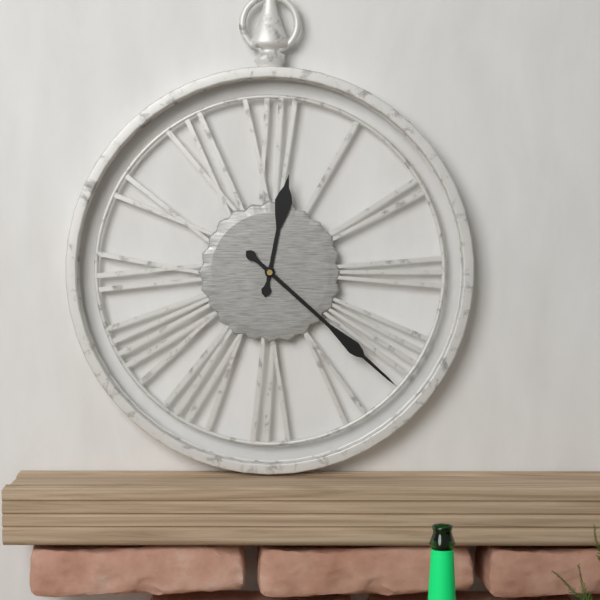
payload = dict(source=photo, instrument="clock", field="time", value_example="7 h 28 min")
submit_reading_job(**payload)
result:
12 h 22 min
